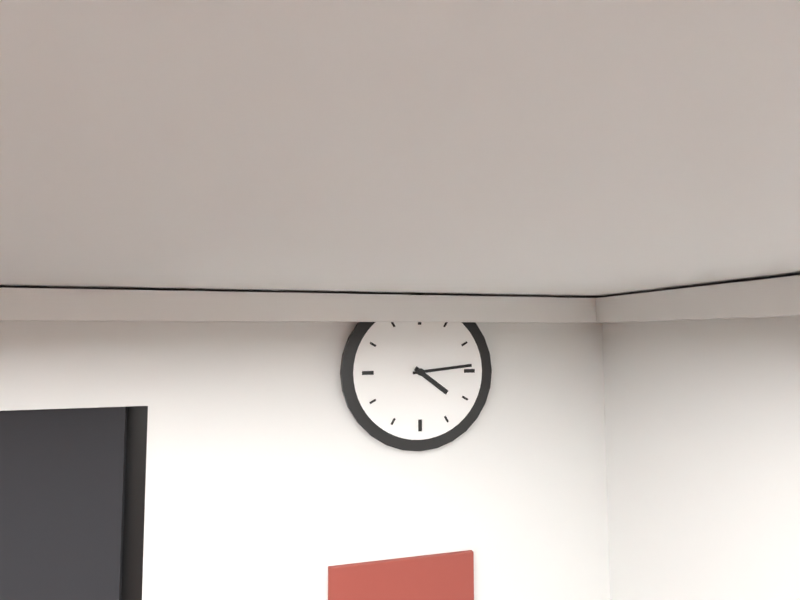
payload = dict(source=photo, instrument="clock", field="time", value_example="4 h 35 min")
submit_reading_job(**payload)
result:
4 h 14 min
